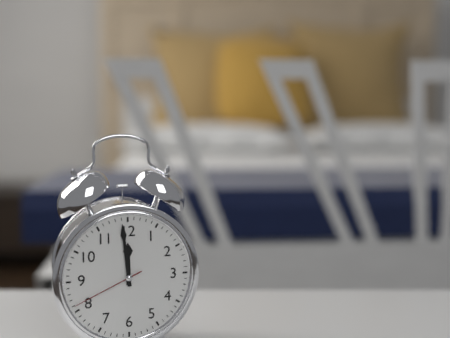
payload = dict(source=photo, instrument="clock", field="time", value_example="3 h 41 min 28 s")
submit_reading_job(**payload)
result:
11 h 59 min 41 s
